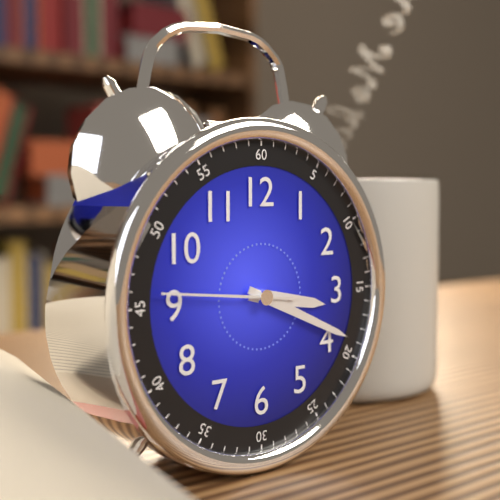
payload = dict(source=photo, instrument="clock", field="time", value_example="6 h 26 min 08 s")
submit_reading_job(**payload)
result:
3 h 19 min 46 s
